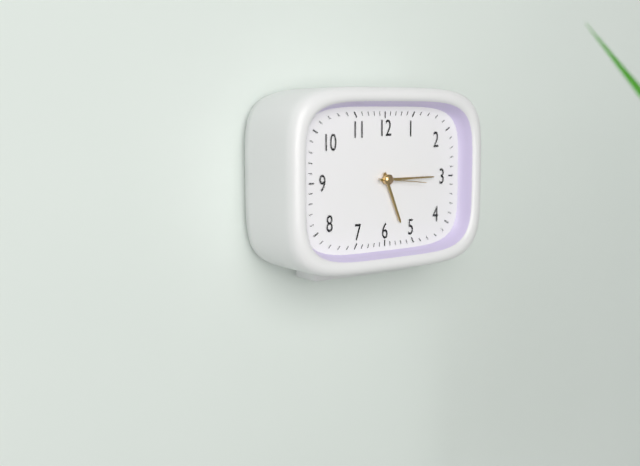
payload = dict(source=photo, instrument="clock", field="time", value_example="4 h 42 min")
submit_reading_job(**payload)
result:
5 h 15 min
